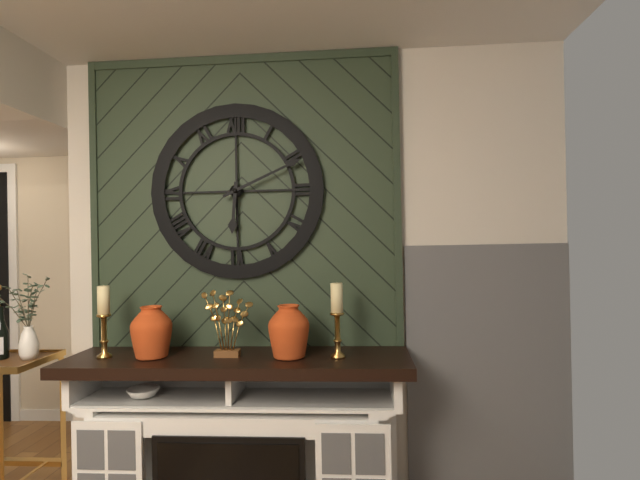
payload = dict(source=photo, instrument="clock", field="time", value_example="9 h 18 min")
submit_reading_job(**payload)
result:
6 h 11 min
